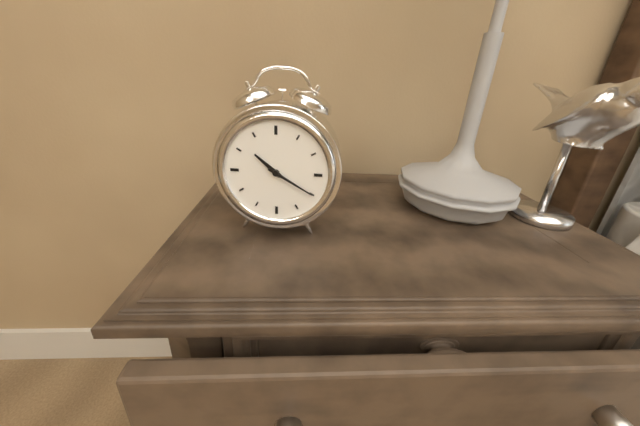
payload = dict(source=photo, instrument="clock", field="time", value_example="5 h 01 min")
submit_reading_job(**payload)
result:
10 h 20 min
